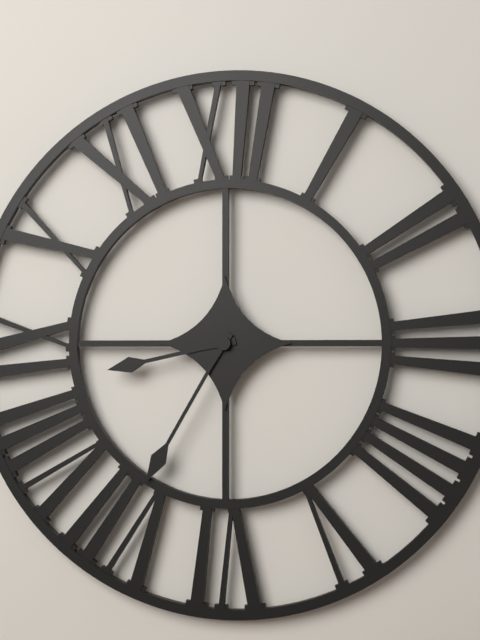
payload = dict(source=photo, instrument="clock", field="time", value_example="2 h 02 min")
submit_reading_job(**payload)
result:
8 h 35 min
